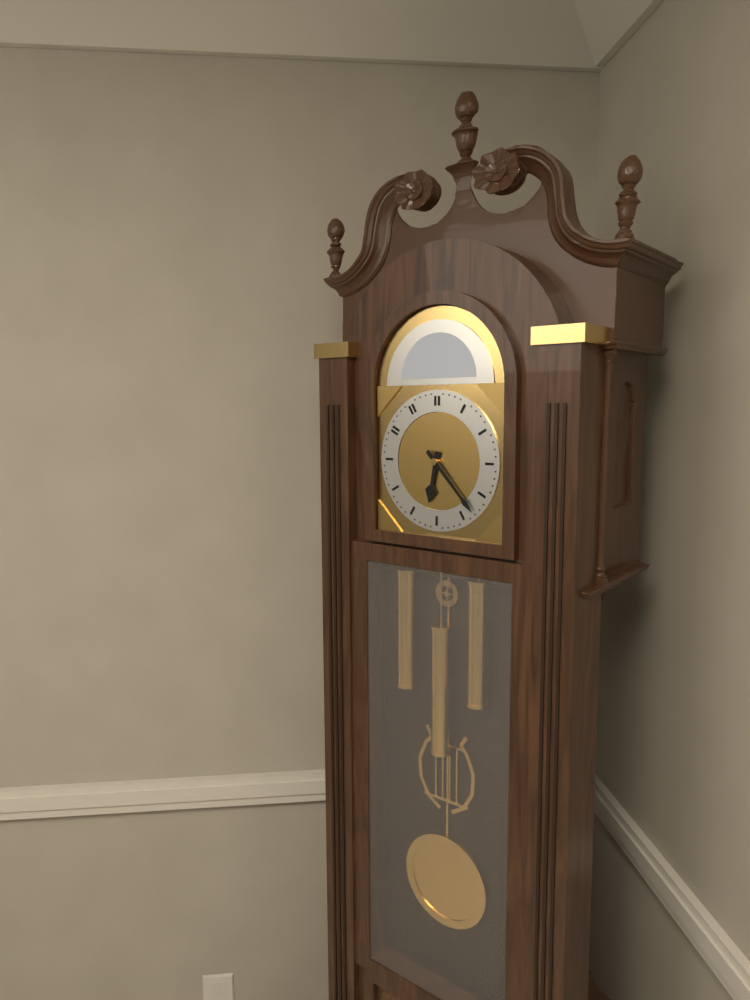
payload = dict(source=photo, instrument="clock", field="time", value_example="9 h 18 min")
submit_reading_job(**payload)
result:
6 h 23 min
